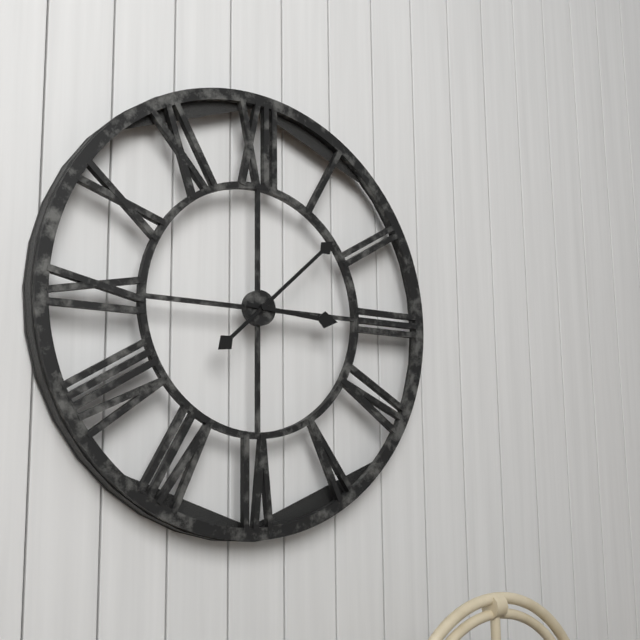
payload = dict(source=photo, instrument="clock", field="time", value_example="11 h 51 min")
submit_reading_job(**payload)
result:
3 h 08 min
